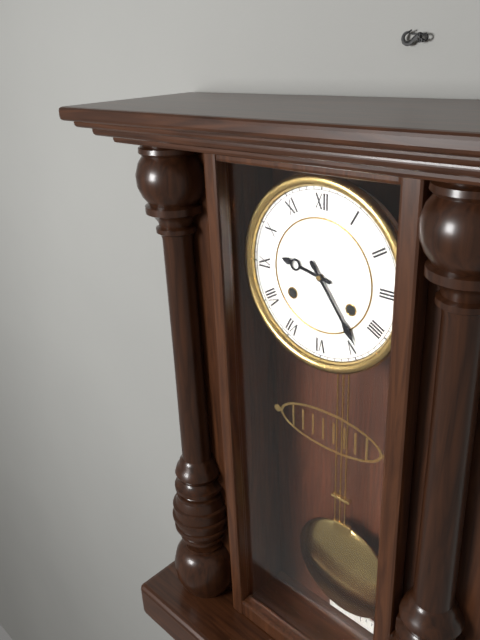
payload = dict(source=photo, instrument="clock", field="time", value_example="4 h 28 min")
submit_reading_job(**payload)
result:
9 h 24 min
